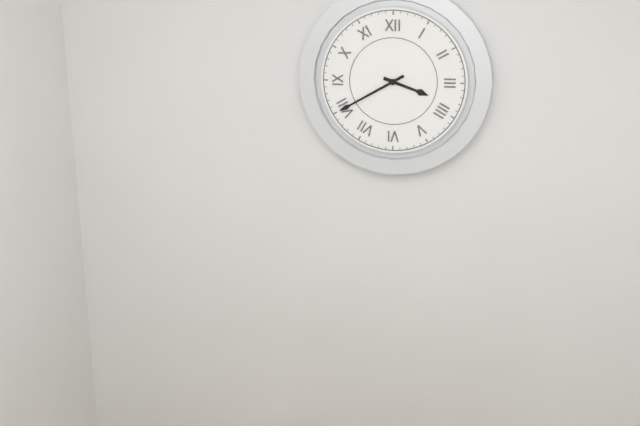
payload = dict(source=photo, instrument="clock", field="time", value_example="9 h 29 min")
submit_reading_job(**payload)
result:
3 h 40 min
